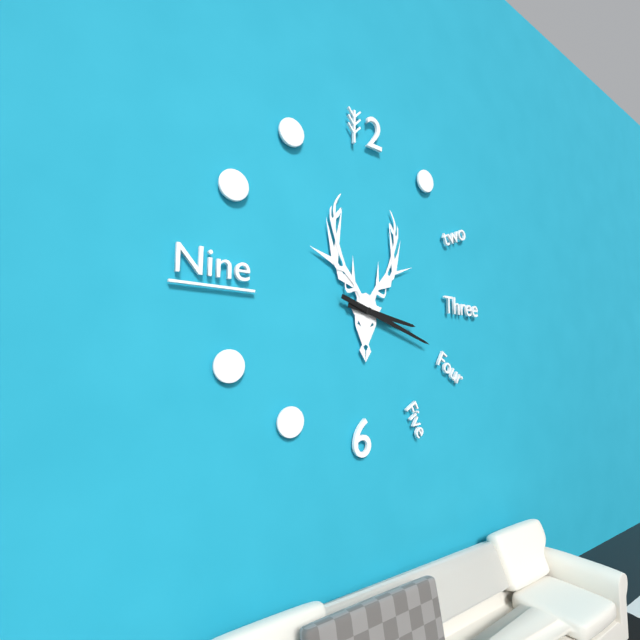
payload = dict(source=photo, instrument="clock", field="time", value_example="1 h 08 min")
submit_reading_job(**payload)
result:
3 h 18 min
